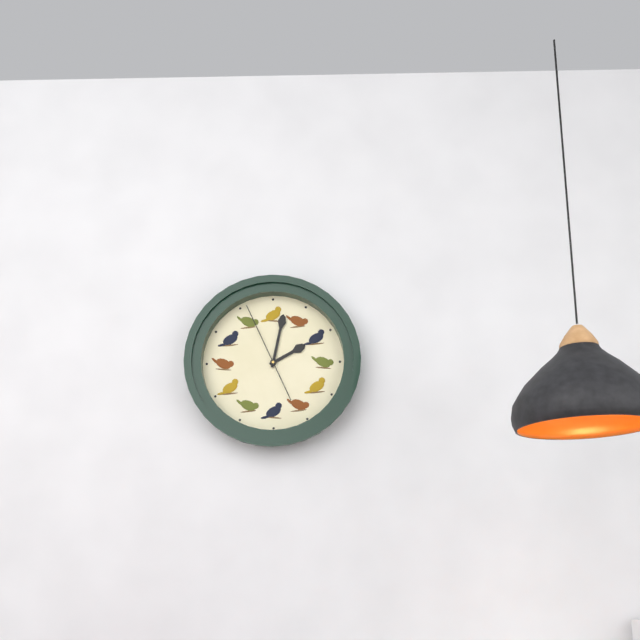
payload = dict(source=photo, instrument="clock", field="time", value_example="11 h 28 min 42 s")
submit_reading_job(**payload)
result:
2 h 02 min 56 s
